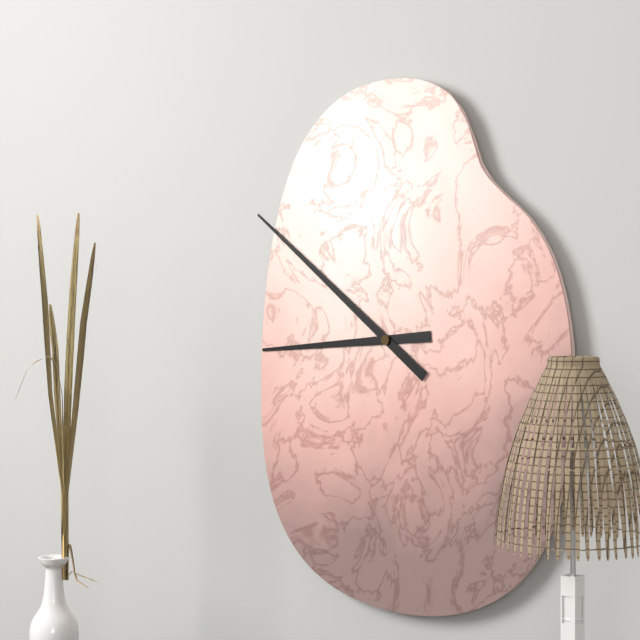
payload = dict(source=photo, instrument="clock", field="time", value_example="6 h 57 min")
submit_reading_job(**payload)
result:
8 h 51 min
